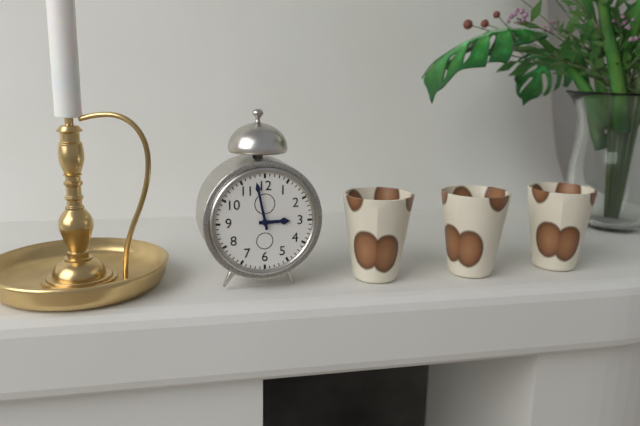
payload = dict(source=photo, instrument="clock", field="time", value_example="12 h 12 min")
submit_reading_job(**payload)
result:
2 h 58 min
